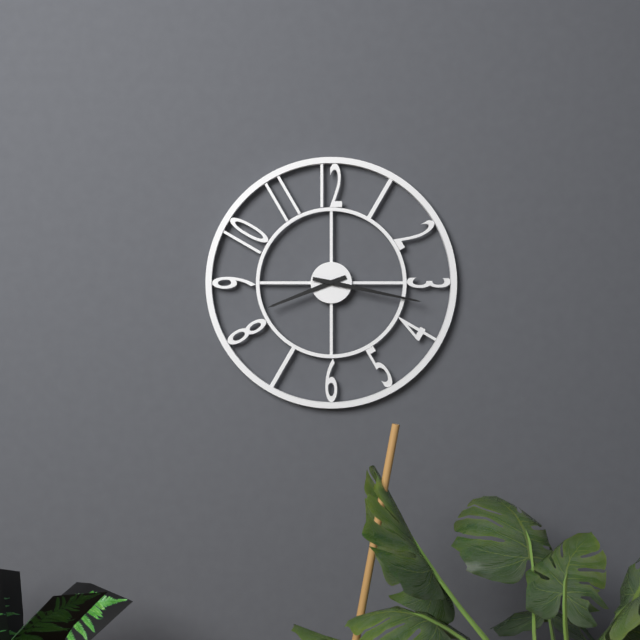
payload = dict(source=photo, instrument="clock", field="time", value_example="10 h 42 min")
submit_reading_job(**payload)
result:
8 h 17 min
